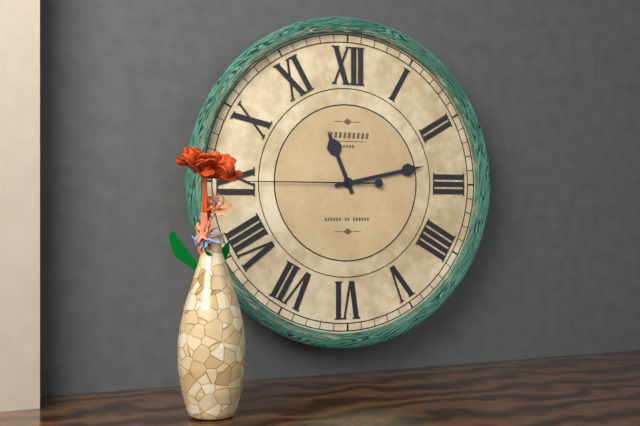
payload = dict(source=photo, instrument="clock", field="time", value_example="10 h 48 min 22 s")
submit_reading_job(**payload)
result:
11 h 13 min 45 s
